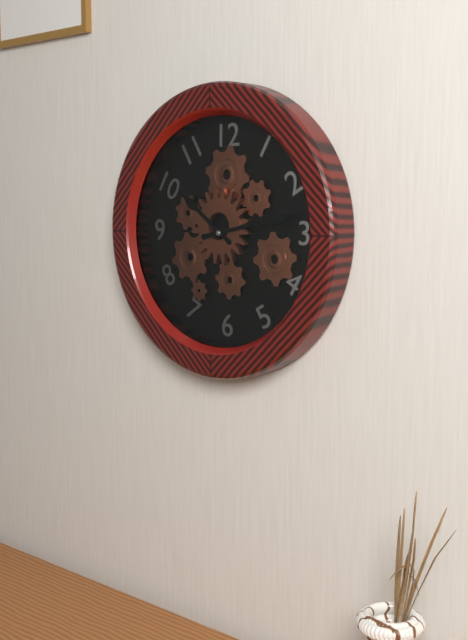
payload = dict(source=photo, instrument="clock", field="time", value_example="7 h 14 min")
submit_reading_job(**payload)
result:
10 h 13 min
